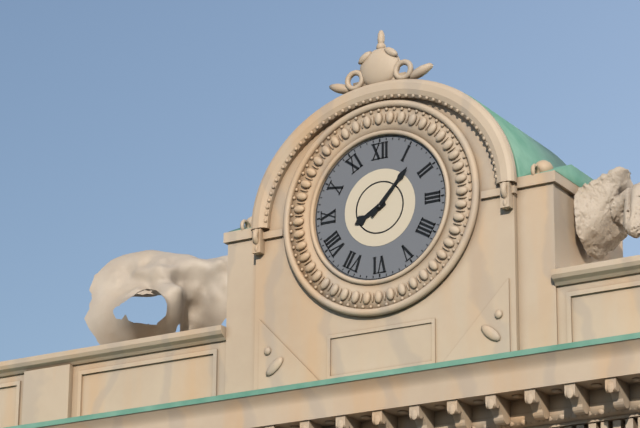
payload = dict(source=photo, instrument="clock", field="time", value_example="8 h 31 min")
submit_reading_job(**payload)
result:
8 h 07 min
